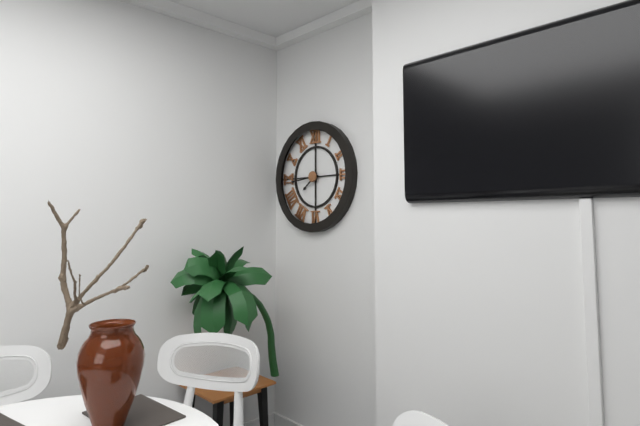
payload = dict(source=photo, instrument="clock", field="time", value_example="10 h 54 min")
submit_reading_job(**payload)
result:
7 h 44 min
